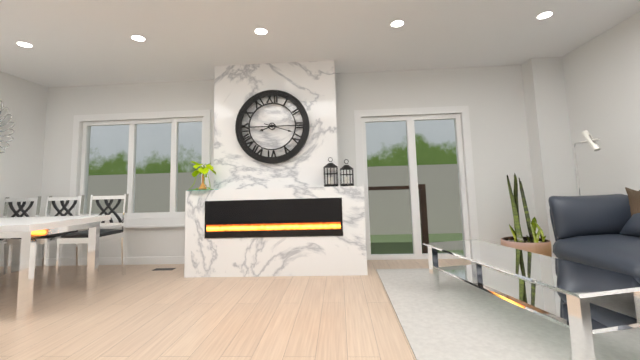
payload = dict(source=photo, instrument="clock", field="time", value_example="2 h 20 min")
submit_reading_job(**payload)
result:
8 h 18 min
